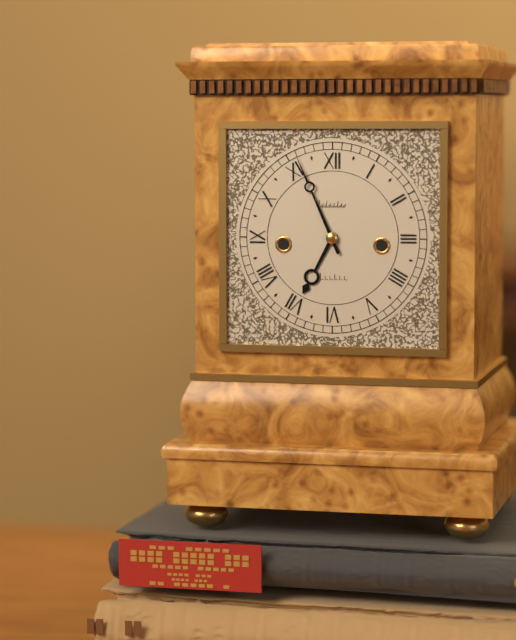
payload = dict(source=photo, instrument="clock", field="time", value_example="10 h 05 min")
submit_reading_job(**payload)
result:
6 h 56 min
